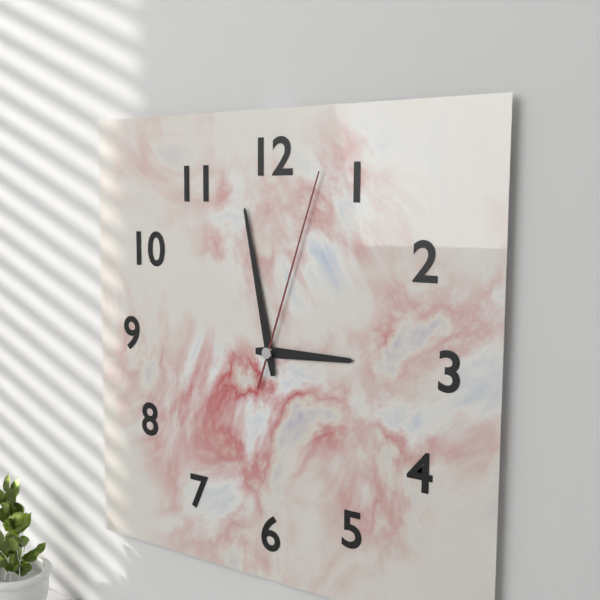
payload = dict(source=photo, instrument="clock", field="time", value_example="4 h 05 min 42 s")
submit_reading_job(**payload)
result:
2 h 58 min 03 s
